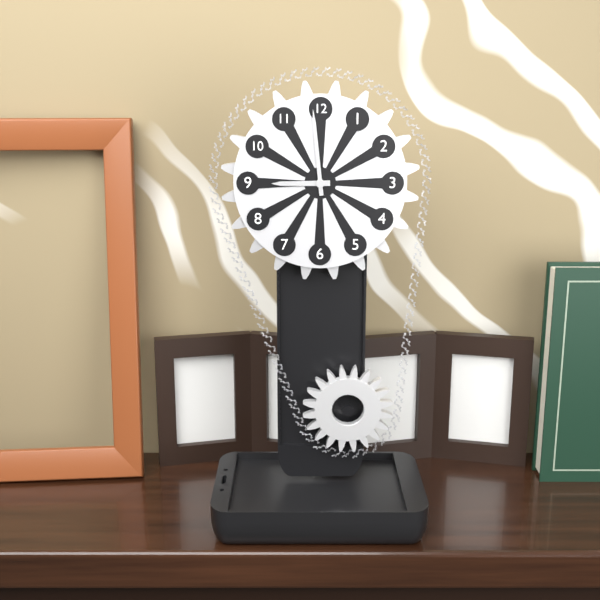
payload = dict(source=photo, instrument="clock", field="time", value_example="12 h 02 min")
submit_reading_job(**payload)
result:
8 h 59 min
